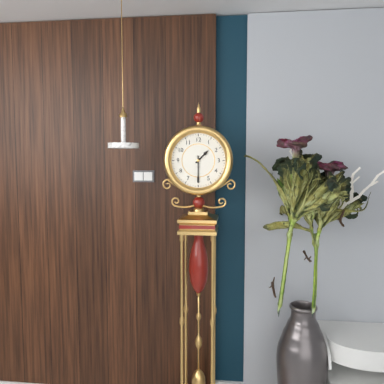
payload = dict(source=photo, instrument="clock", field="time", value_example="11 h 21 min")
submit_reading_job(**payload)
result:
1 h 30 min
